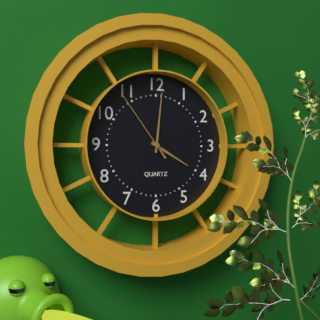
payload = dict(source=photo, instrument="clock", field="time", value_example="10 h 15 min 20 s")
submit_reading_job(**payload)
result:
4 h 01 min 54 s
